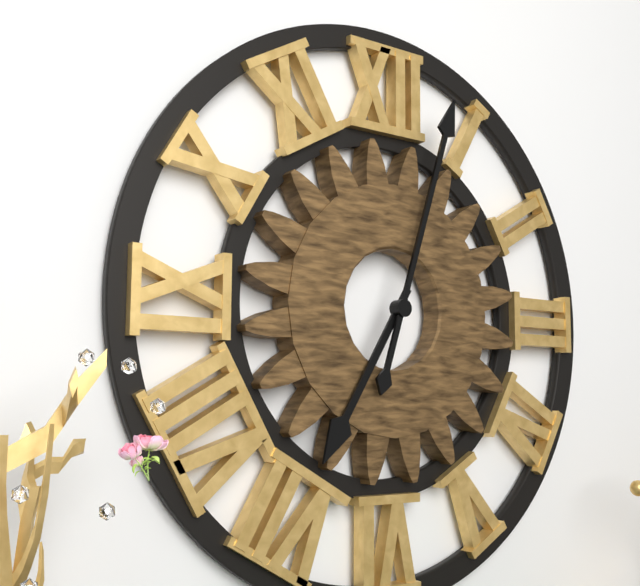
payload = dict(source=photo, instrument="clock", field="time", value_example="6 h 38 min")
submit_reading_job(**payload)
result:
7 h 03 min
